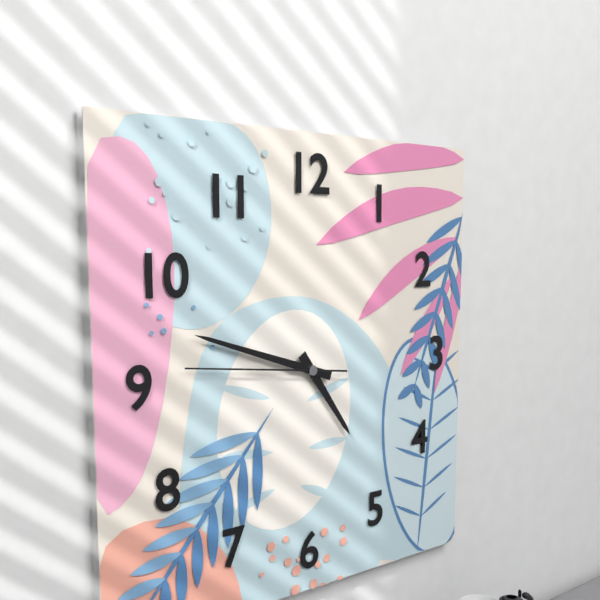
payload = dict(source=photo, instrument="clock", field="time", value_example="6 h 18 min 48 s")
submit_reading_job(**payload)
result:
4 h 48 min 46 s
